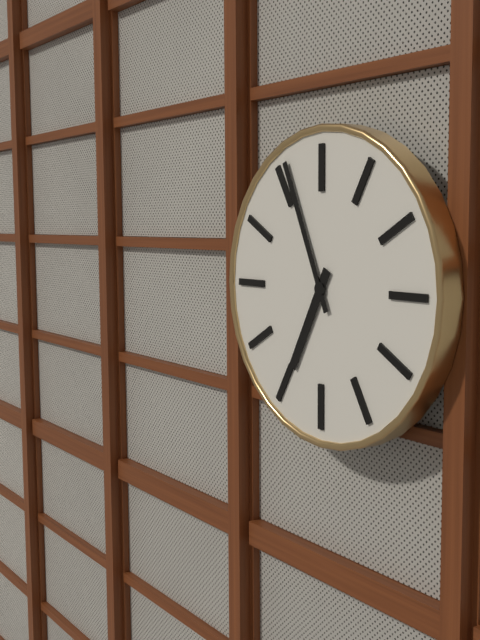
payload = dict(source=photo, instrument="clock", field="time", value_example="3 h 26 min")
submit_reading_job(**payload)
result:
6 h 56 min
